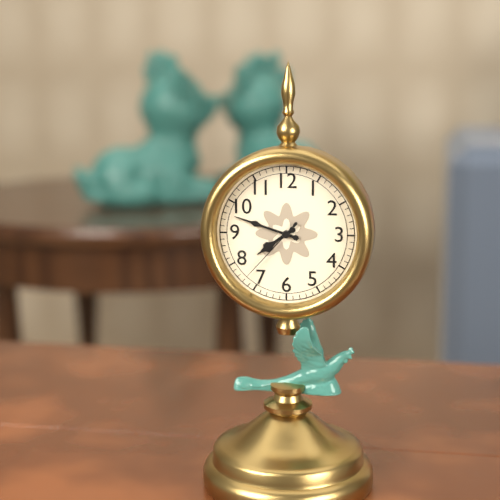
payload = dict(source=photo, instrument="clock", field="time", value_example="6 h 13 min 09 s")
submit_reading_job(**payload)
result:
7 h 48 min 37 s
